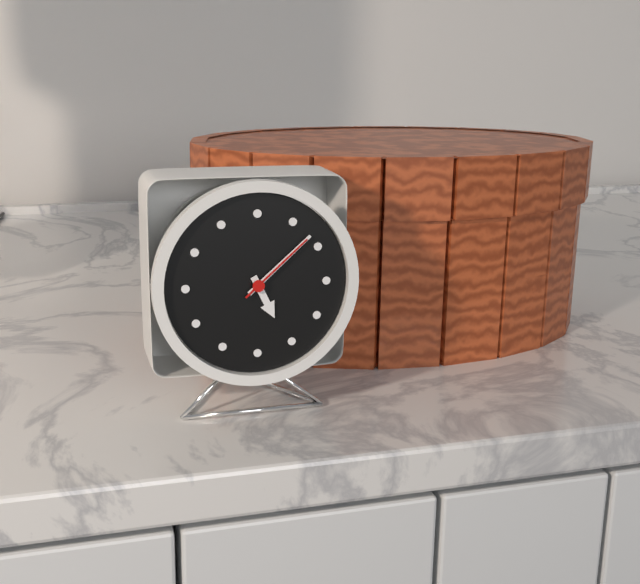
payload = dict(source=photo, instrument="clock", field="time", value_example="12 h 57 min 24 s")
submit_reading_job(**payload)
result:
5 h 08 min 08 s
